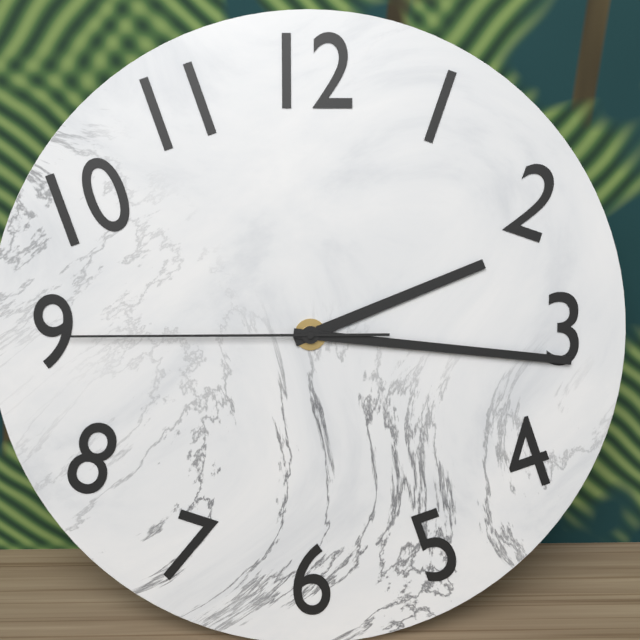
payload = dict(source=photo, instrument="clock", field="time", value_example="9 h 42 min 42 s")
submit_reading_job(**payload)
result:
2 h 16 min 45 s
